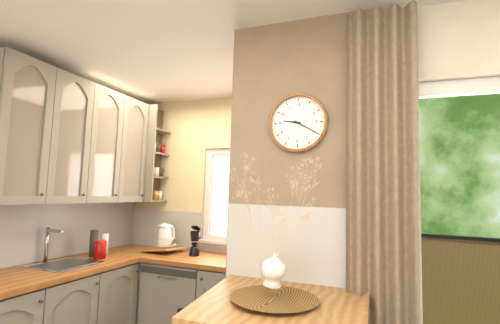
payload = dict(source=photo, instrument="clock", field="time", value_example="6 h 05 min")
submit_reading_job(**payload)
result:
9 h 20 min
